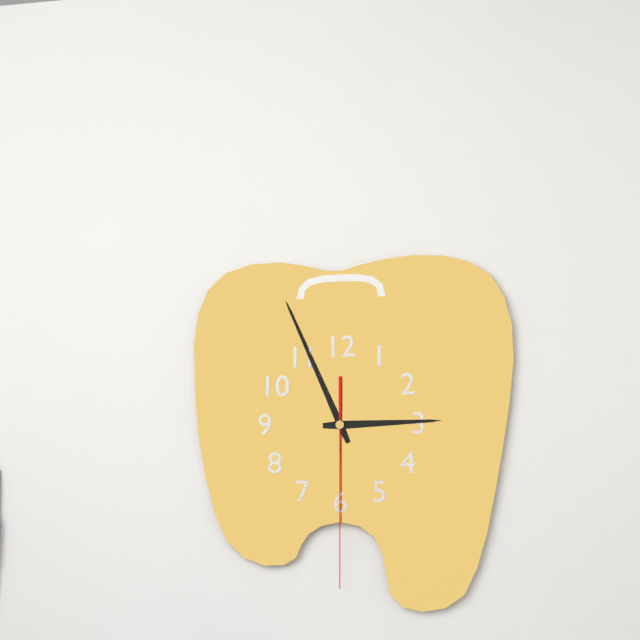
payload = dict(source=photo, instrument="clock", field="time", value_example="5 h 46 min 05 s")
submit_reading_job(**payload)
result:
2 h 56 min 30 s
